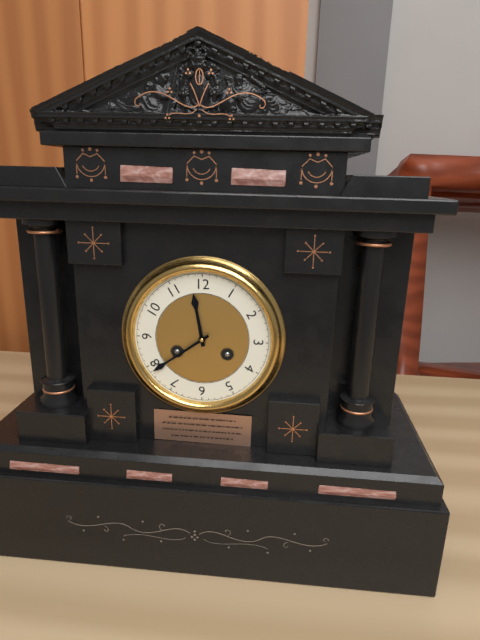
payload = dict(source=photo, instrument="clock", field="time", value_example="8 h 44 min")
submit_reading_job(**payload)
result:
11 h 39 min
